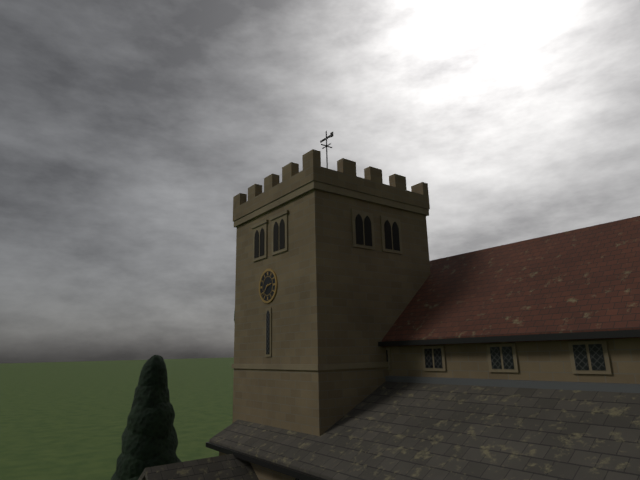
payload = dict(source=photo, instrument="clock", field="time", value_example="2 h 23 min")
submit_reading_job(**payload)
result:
2 h 37 min
